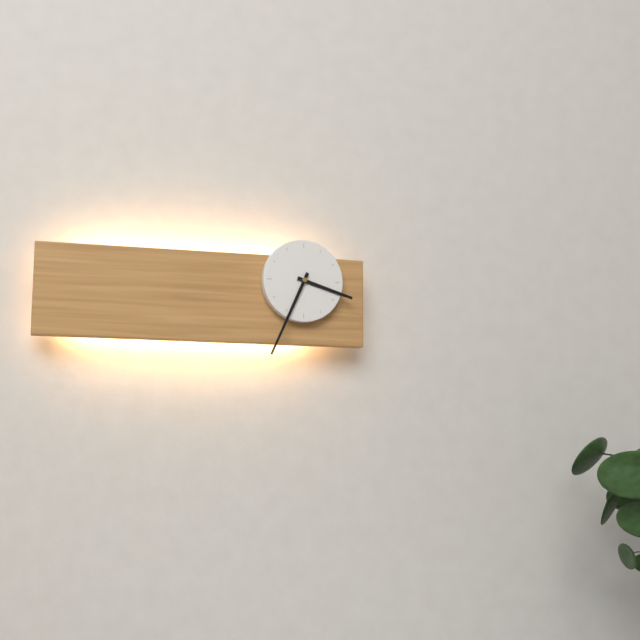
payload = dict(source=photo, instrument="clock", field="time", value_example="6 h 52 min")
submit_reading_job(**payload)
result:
3 h 34 min
